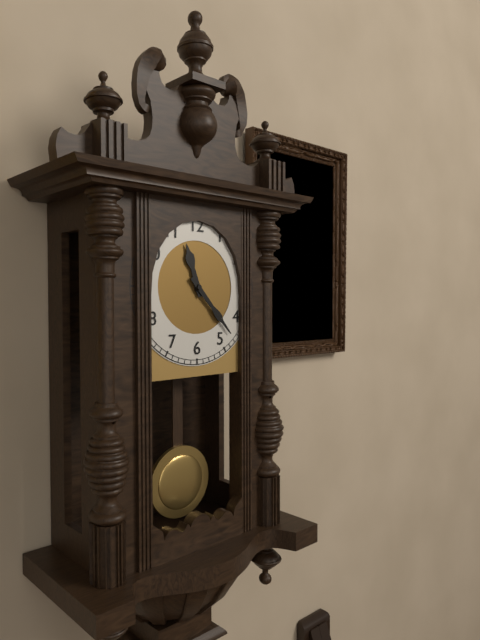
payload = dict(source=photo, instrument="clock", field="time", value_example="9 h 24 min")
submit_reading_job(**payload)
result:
11 h 23 min
